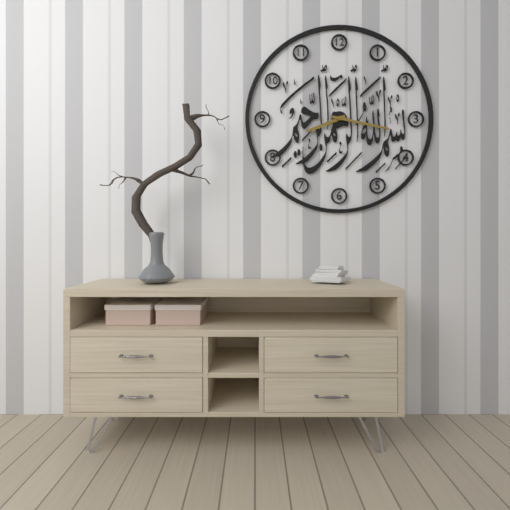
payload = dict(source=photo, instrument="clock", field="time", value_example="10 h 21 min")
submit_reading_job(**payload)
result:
8 h 17 min
